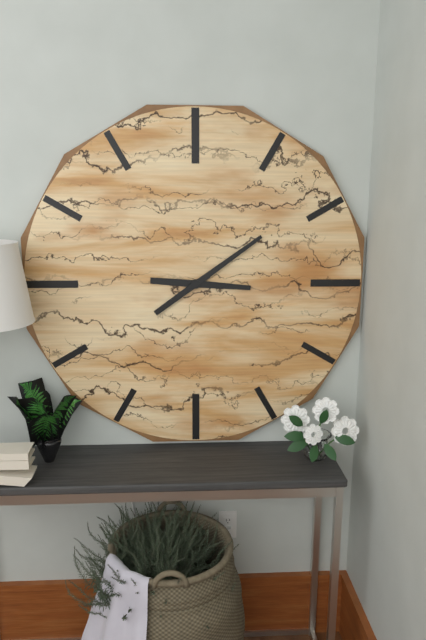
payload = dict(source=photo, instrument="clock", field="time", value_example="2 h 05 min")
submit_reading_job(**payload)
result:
3 h 09 min
